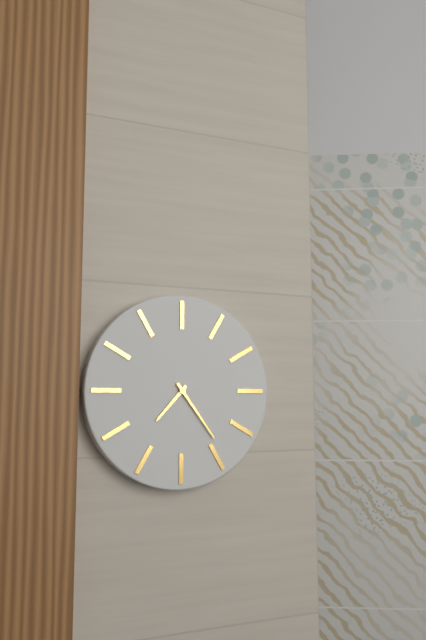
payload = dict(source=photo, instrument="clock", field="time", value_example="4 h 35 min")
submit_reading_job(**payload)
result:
7 h 24 min
